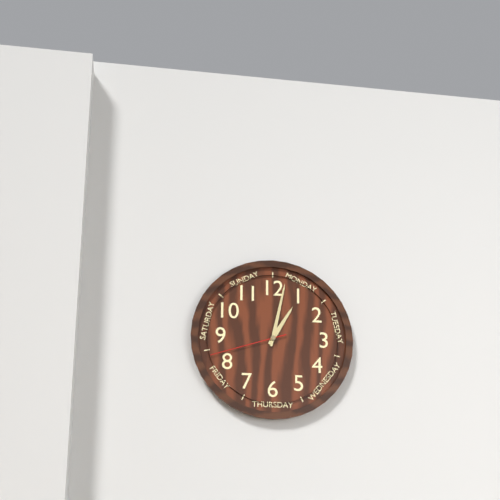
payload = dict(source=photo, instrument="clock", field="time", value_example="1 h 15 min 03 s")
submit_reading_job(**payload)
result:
1 h 02 min 42 s
